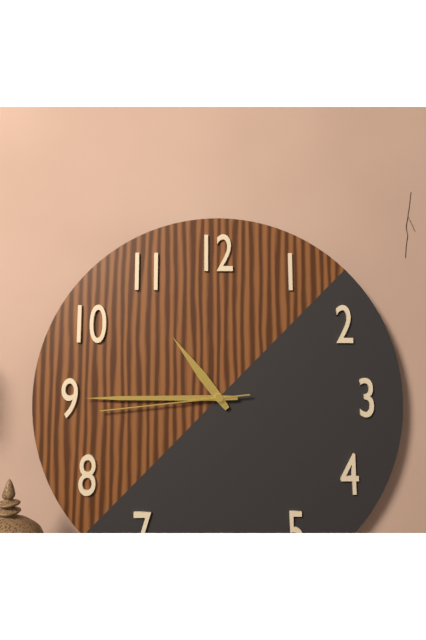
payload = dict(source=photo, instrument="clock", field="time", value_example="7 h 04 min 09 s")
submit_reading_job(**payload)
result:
10 h 45 min 44 s
